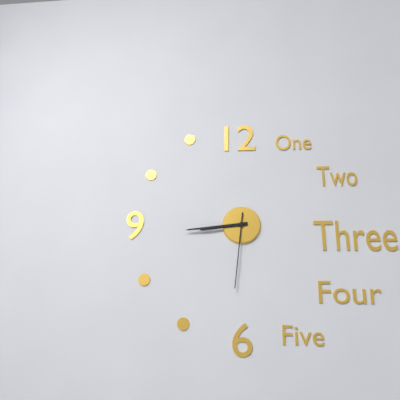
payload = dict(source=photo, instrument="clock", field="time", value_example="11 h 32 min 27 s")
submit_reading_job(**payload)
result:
8 h 44 min 31 s
